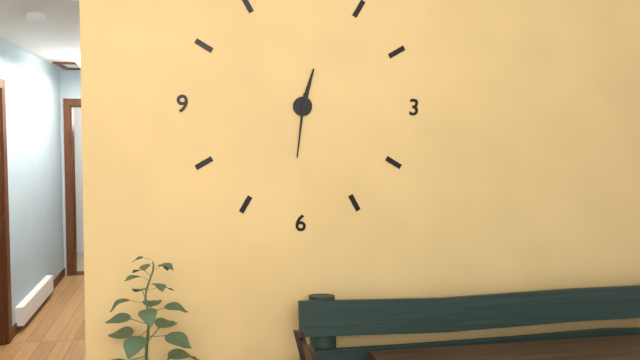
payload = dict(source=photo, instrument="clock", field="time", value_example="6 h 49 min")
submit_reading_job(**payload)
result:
12 h 31 min
